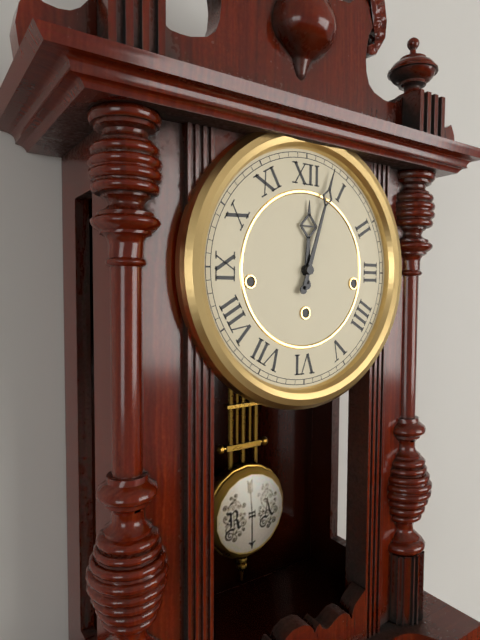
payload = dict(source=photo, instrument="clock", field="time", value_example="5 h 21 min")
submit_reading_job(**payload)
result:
12 h 03 min
